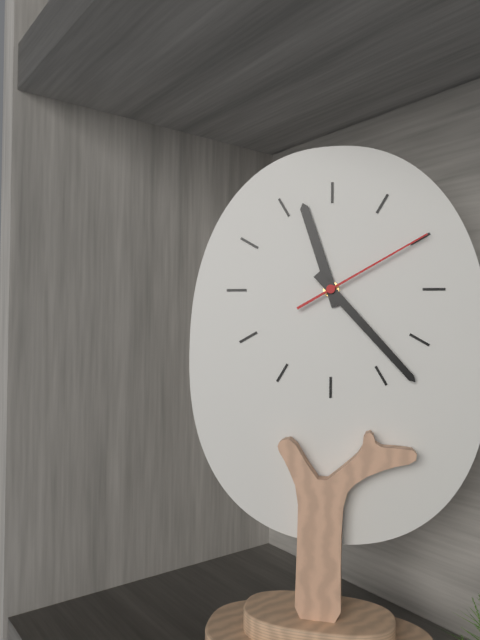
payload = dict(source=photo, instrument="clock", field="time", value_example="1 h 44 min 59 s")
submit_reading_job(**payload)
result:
11 h 23 min 10 s
